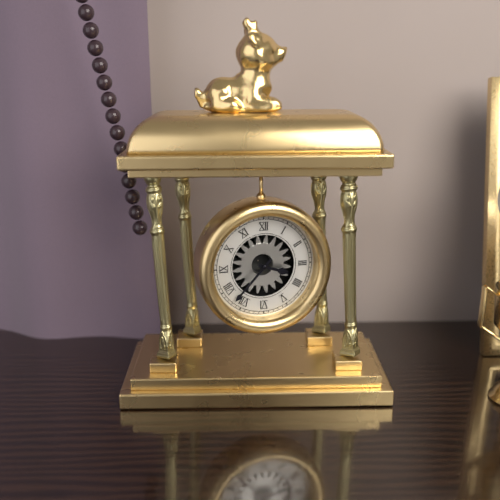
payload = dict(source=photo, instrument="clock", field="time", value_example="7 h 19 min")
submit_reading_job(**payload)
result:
3 h 37 min
